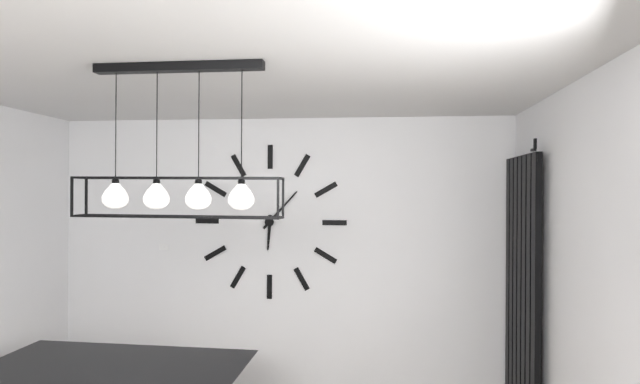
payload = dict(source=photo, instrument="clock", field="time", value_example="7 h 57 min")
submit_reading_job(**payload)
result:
6 h 07 min
